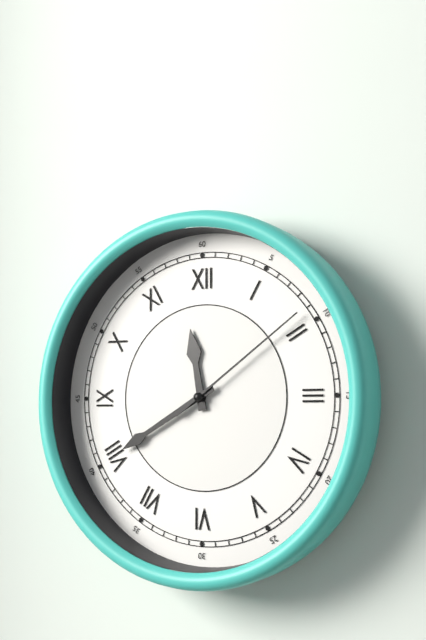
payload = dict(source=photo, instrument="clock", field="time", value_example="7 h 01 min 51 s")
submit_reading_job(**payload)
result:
11 h 40 min 09 s
